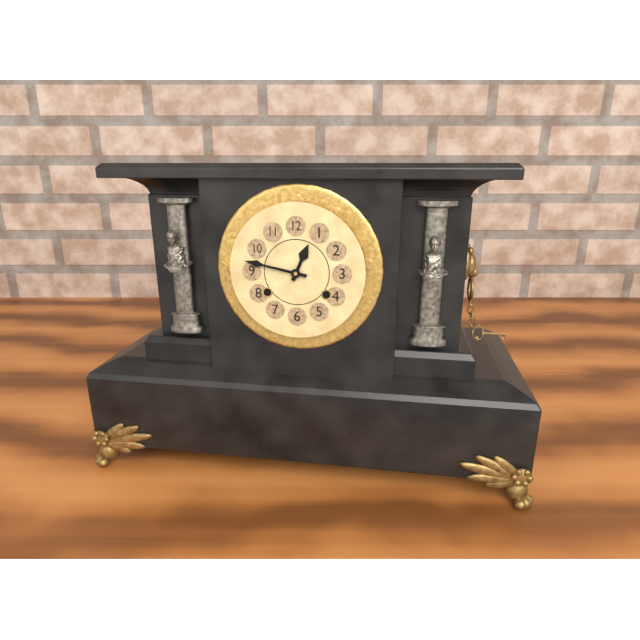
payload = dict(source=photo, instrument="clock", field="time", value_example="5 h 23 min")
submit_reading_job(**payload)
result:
12 h 47 min
